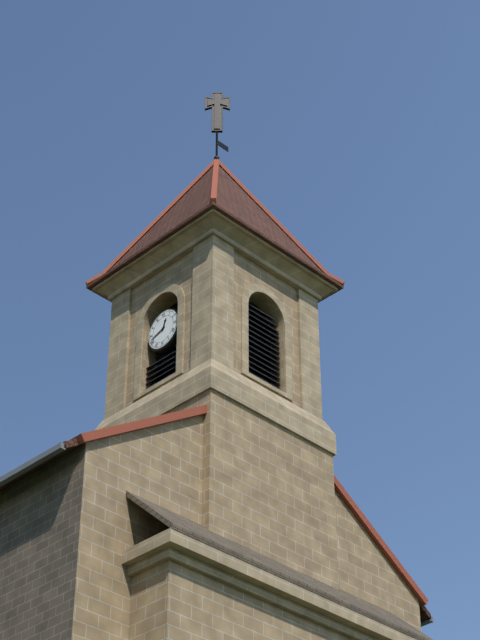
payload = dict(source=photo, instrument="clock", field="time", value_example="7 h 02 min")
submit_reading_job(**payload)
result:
12 h 42 min
